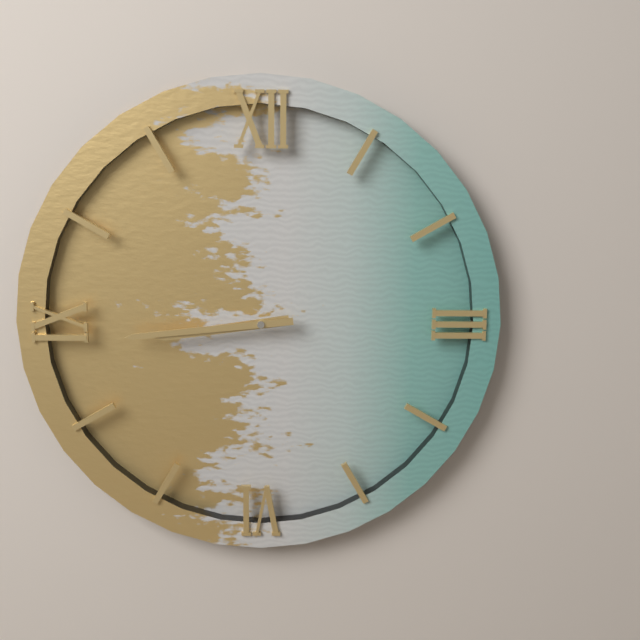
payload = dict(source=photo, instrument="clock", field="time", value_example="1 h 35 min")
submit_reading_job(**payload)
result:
8 h 44 min
